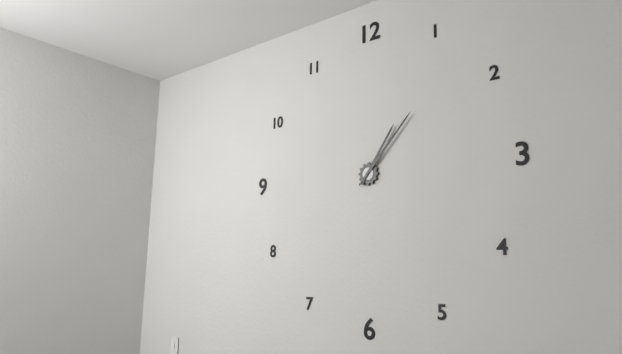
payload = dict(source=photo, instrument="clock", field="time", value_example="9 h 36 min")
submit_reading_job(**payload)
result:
1 h 07 min
